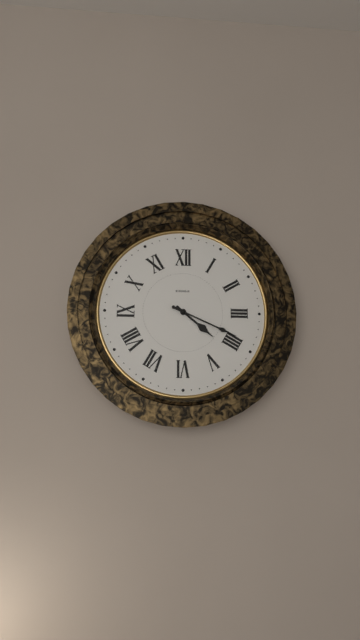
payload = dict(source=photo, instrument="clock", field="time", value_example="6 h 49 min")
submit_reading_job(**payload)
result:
4 h 19 min
